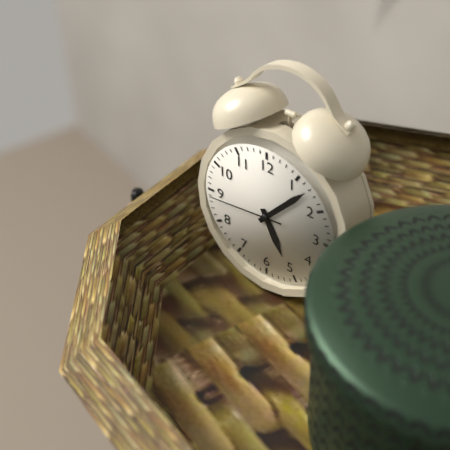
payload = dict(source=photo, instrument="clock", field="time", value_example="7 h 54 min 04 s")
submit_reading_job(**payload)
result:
5 h 07 min 44 s
